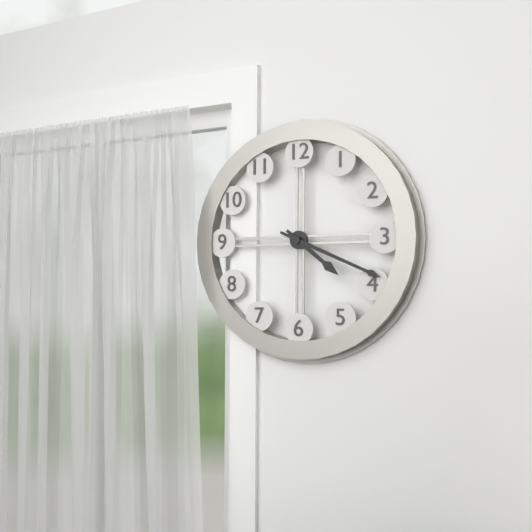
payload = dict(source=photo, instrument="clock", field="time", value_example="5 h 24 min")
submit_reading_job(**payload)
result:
4 h 19 min
